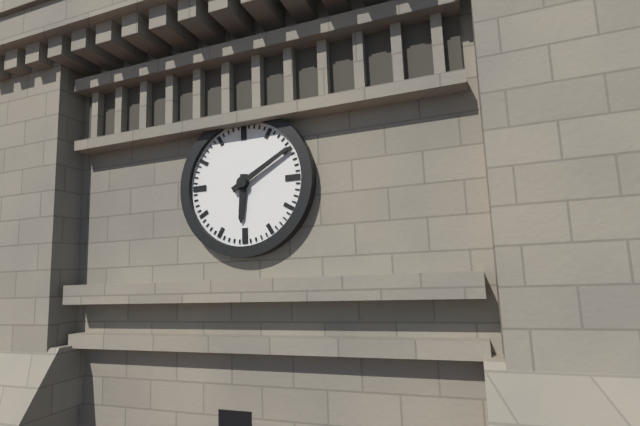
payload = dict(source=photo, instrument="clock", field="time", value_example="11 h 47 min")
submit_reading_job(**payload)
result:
6 h 10 min
